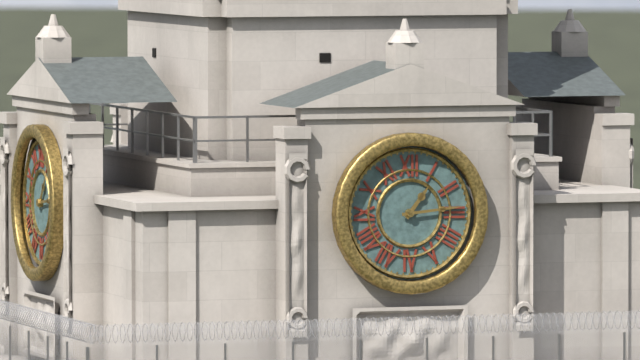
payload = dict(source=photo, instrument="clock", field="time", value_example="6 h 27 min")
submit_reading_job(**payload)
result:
1 h 14 min
